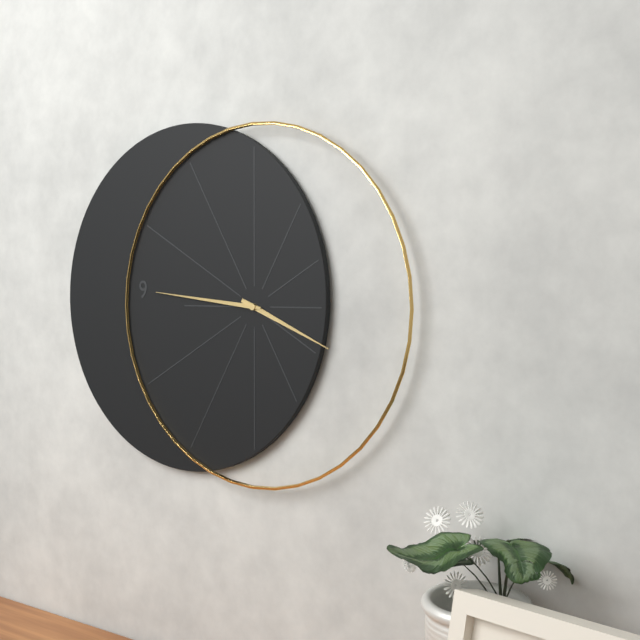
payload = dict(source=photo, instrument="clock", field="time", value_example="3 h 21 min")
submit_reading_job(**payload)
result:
3 h 46 min
